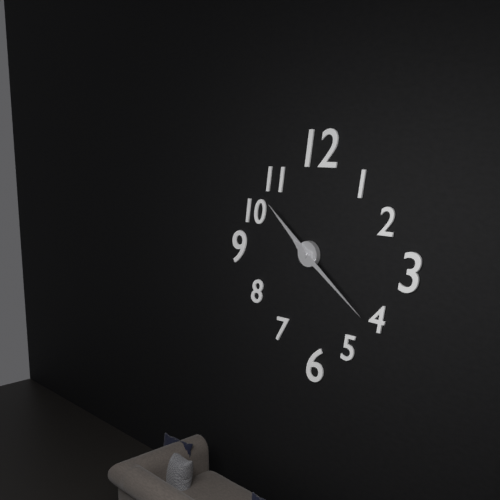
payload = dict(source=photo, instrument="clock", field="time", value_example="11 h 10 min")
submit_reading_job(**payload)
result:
10 h 21 min
